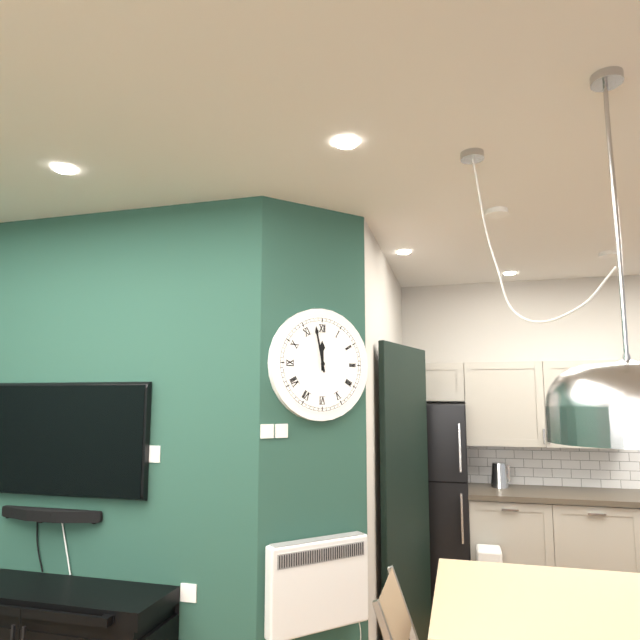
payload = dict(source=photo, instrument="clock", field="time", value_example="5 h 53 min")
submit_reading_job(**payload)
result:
11 h 58 min
